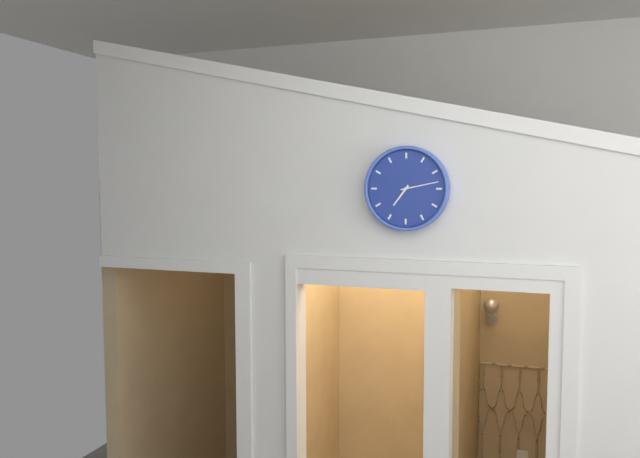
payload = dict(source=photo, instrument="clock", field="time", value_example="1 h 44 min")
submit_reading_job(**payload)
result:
7 h 13 min
